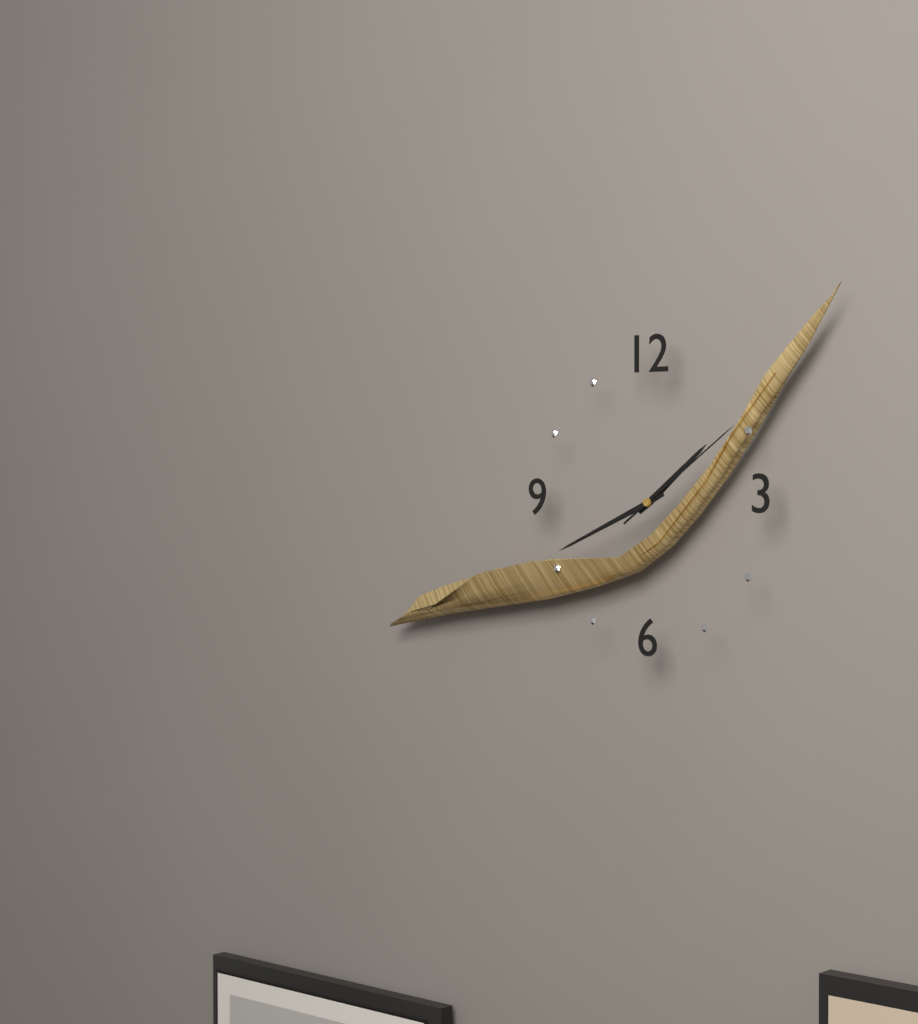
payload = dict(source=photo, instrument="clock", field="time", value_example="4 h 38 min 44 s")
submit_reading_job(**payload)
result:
1 h 41 min 09 s
